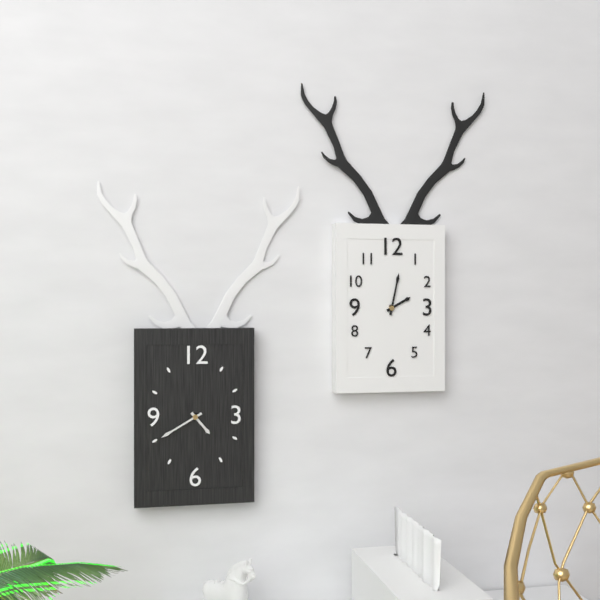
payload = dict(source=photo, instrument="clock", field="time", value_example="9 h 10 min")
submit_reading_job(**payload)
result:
4 h 40 min
